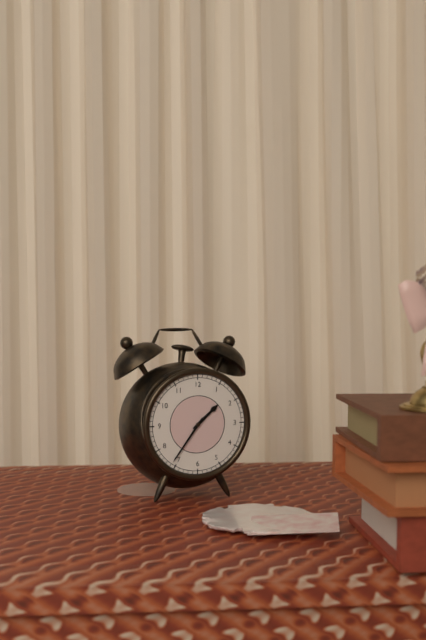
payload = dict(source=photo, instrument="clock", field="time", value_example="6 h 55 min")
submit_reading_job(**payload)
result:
1 h 36 min
